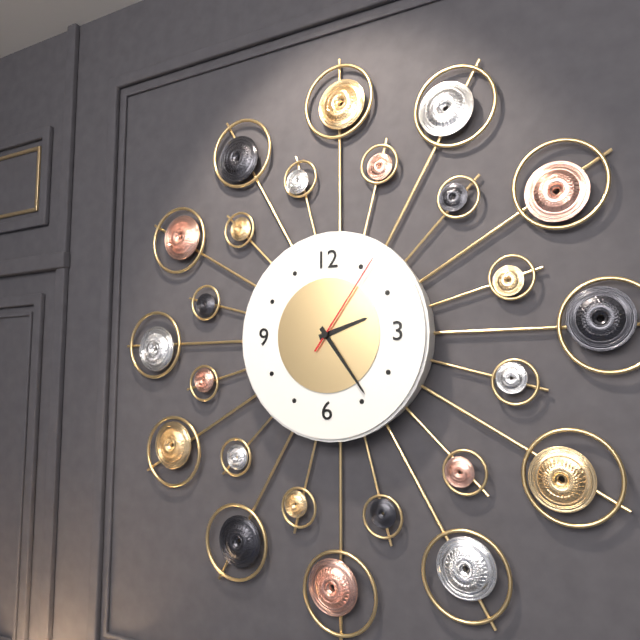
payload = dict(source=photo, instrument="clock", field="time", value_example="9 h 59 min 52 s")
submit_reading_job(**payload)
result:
2 h 24 min 06 s
